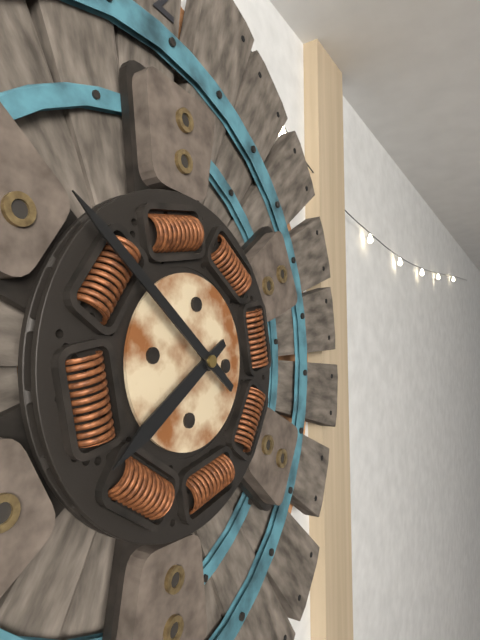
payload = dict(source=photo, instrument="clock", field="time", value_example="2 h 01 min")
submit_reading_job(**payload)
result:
7 h 51 min
